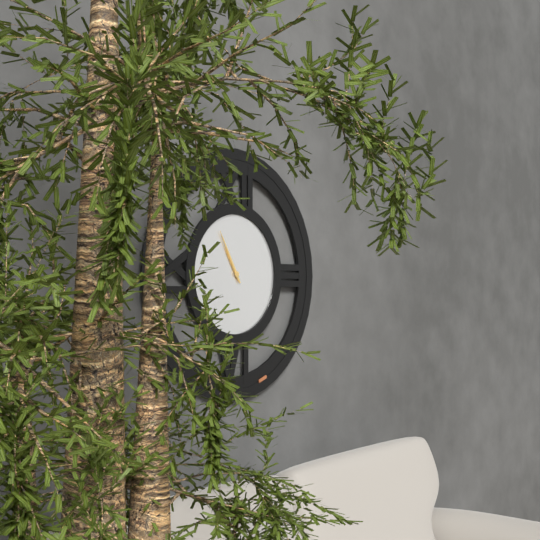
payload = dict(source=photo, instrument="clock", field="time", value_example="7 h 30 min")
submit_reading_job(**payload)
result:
10 h 55 min
